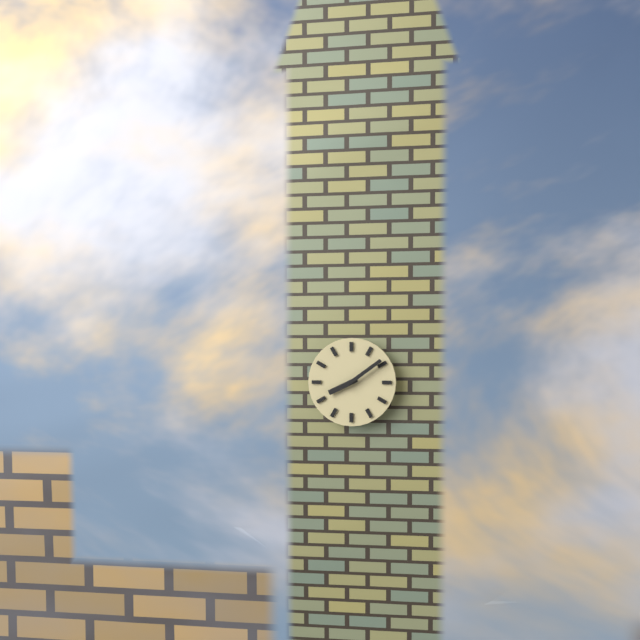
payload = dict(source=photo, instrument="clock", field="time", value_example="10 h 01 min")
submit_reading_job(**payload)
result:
8 h 09 min
